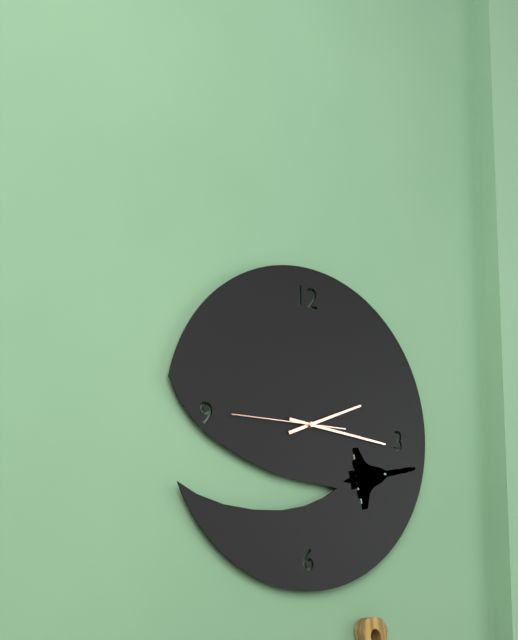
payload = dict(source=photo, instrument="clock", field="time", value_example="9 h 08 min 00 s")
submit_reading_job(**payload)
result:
2 h 16 min 45 s
